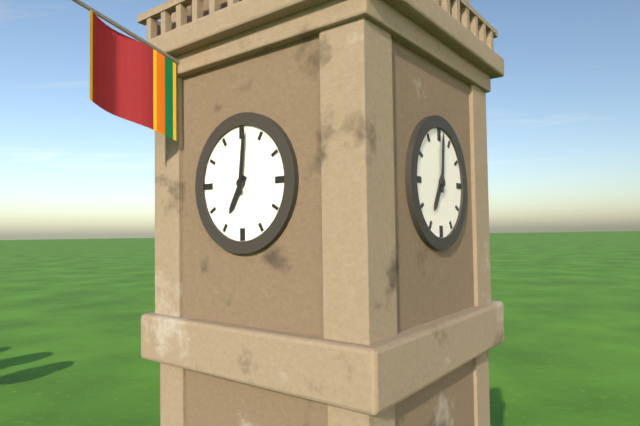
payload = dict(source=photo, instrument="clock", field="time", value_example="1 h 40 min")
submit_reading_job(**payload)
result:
7 h 01 min
